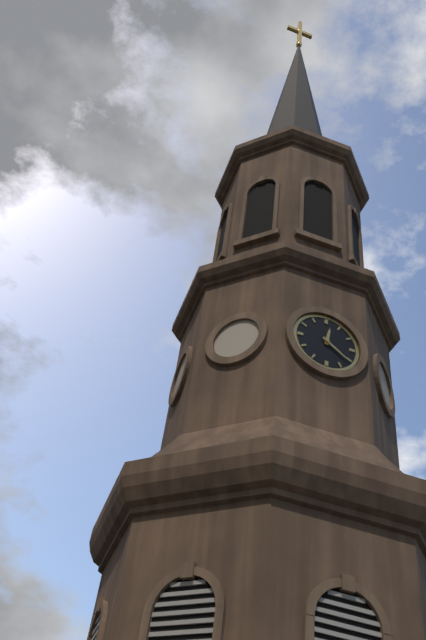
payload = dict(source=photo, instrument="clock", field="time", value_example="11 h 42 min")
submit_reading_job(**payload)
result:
12 h 21 min
